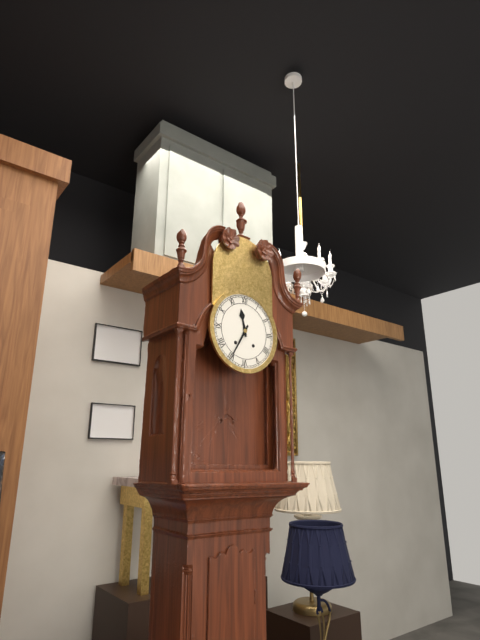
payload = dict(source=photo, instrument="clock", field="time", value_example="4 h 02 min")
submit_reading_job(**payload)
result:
11 h 35 min
